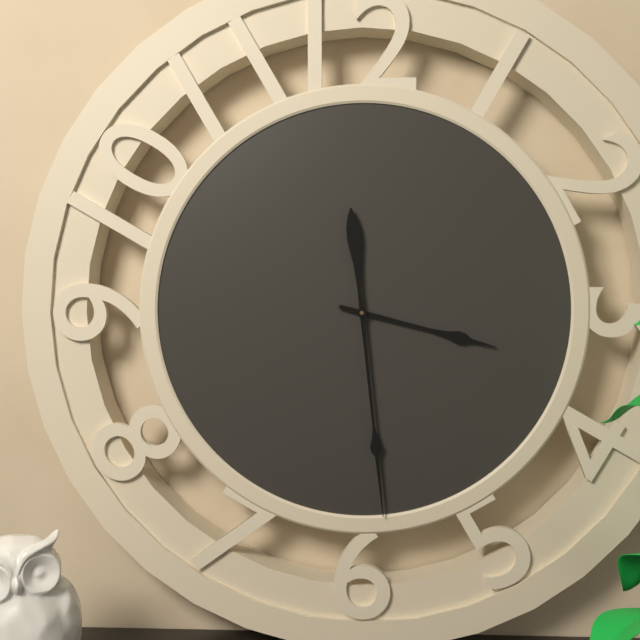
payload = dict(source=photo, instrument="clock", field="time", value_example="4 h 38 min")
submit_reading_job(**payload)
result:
3 h 29 min
